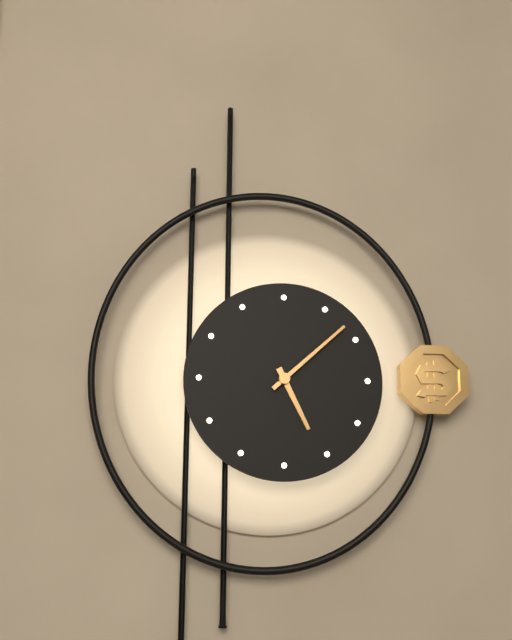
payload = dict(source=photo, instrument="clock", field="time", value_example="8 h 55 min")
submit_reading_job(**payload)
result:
5 h 08 min
